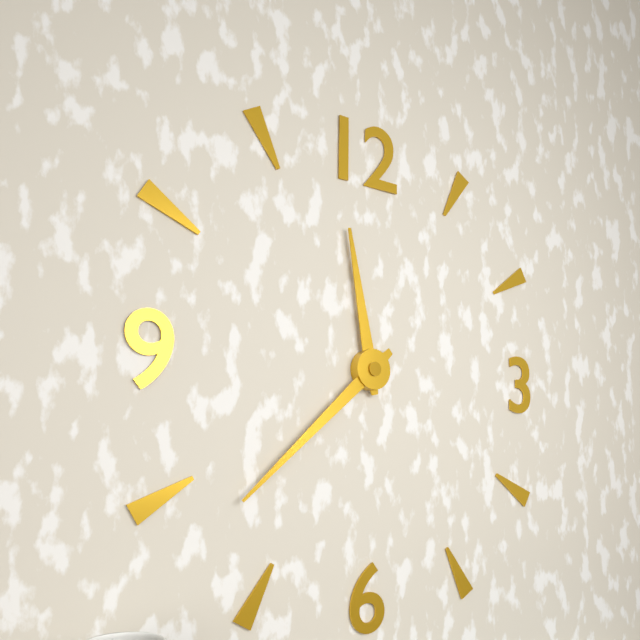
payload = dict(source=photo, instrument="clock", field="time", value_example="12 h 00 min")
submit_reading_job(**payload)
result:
11 h 38 min
